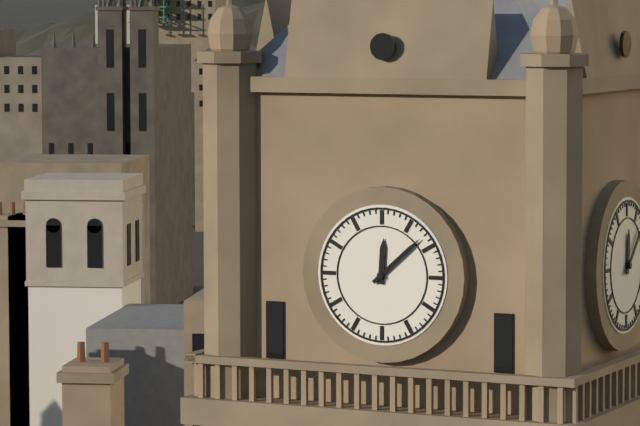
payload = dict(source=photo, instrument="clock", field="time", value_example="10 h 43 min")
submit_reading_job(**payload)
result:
12 h 08 min
